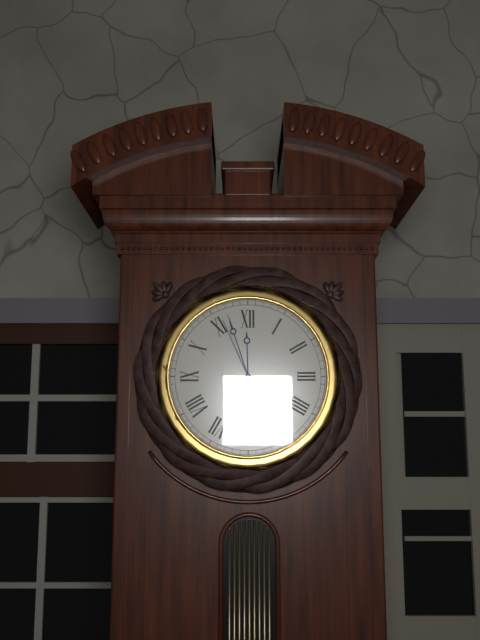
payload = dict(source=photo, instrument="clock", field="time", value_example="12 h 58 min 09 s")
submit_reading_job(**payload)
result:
11 h 57 min 56 s
